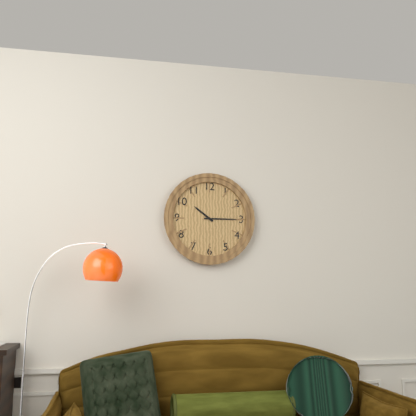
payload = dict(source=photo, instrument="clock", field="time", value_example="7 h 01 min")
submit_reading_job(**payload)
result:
10 h 15 min
